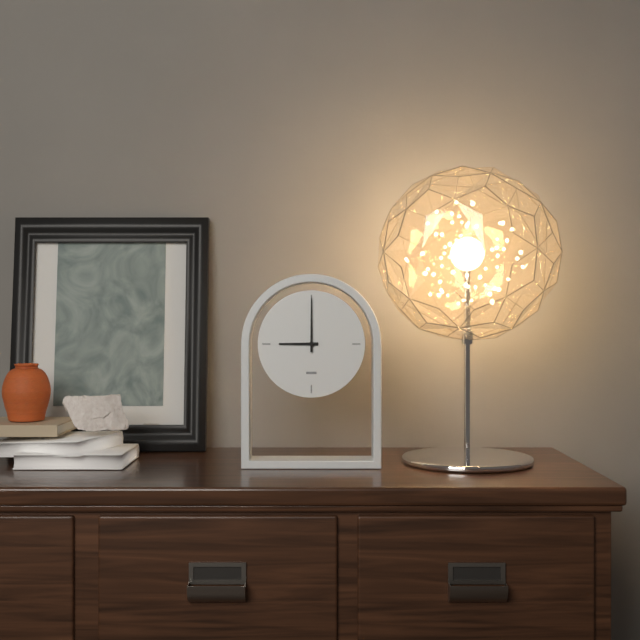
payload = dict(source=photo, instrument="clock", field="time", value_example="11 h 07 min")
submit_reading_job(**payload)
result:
9 h 00 min
